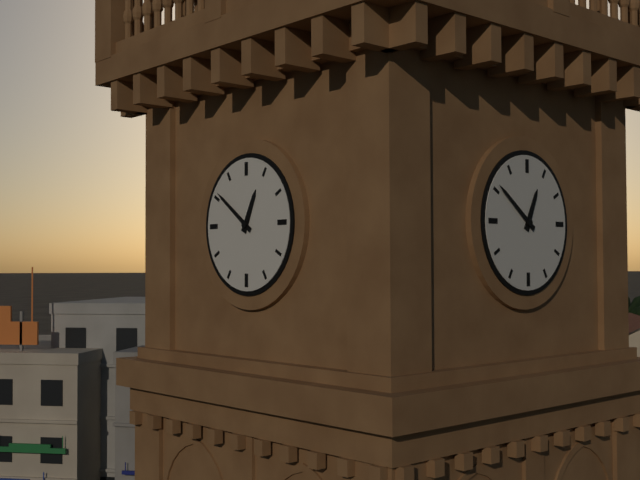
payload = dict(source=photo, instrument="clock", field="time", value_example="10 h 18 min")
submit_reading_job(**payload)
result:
12 h 51 min
